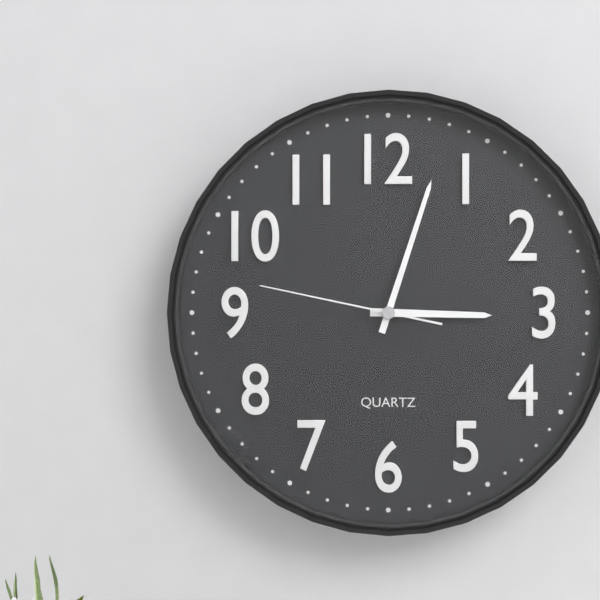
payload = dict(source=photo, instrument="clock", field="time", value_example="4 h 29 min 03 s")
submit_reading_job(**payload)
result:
3 h 03 min 47 s
